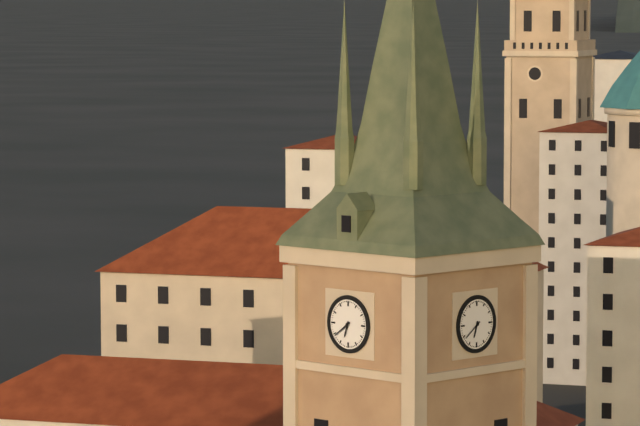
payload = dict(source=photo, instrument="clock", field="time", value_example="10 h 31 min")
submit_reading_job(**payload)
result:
6 h 39 min
